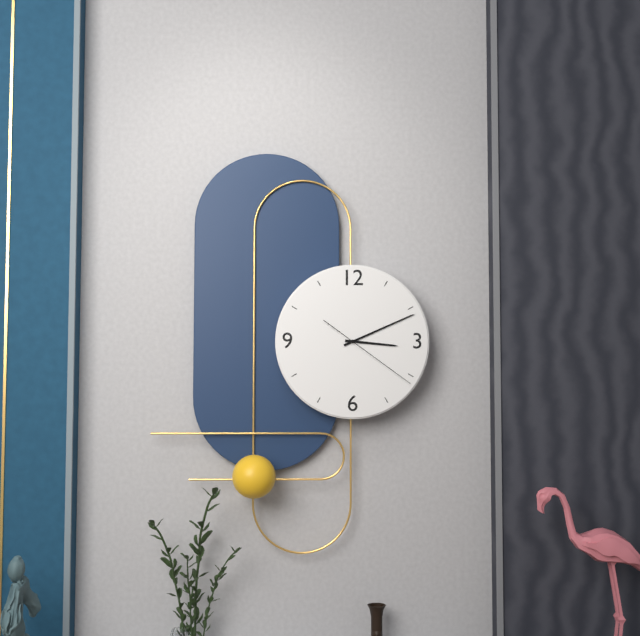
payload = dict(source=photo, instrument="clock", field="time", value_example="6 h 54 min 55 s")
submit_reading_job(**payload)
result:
3 h 11 min 21 s
